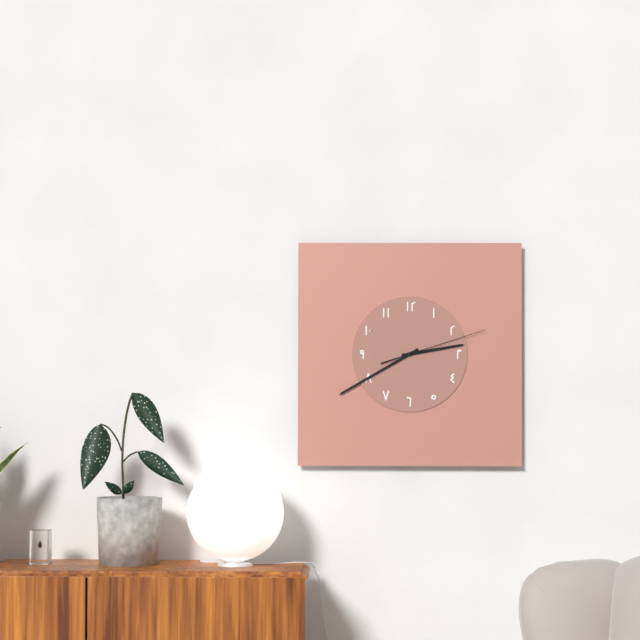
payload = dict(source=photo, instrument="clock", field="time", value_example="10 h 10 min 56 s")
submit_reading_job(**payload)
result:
2 h 40 min 12 s
